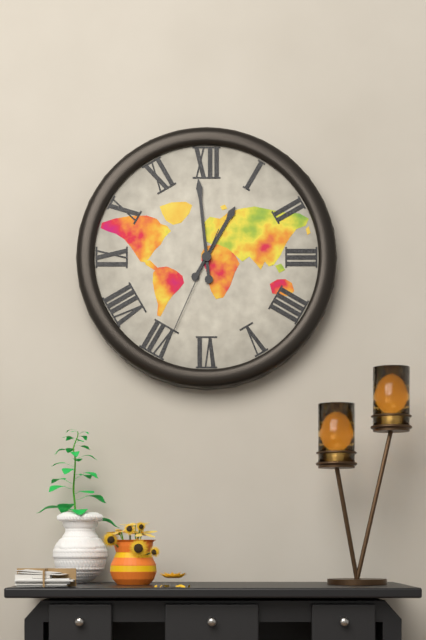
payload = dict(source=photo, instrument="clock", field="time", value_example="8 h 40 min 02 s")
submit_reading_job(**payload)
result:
12 h 59 min 34 s
